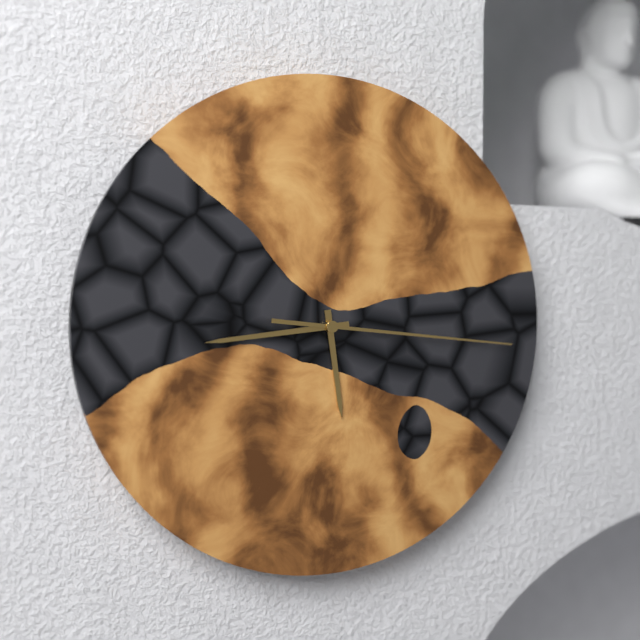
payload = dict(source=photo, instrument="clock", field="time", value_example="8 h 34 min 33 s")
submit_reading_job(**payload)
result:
5 h 44 min 16 s
